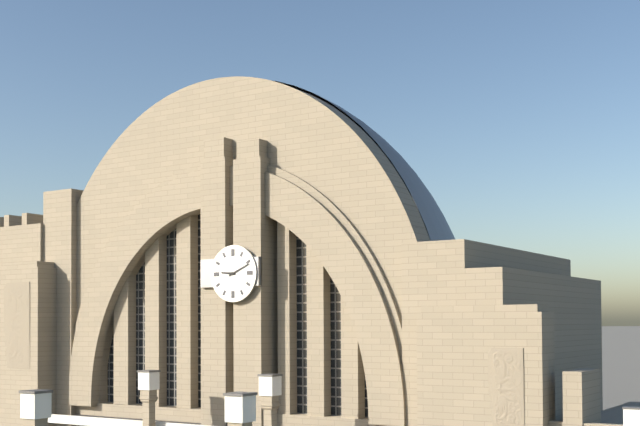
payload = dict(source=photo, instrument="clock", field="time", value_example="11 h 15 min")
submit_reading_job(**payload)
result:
9 h 11 min
